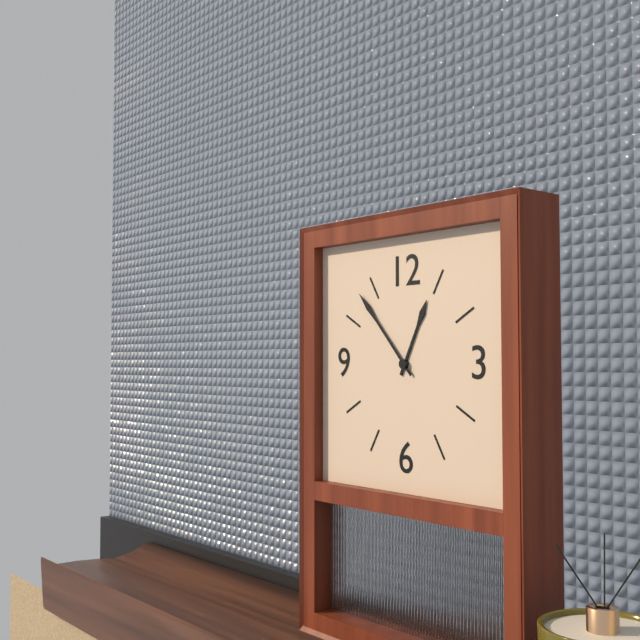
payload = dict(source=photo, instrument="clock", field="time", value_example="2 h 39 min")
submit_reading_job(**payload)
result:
12 h 53 min
